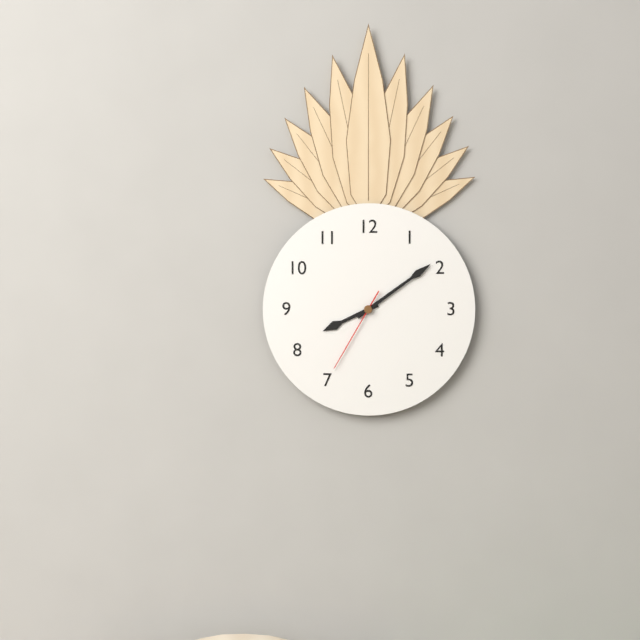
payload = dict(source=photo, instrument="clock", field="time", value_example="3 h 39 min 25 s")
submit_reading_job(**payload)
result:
8 h 09 min 35 s
